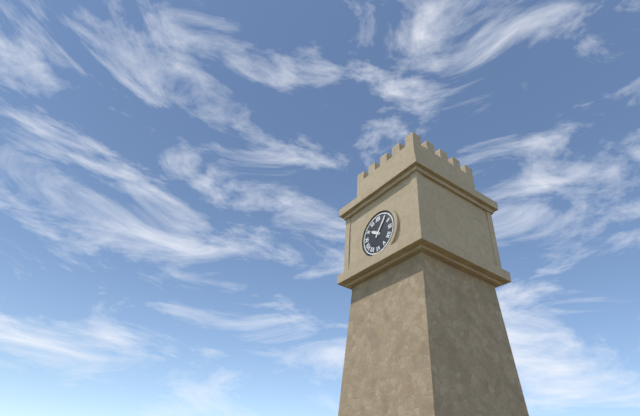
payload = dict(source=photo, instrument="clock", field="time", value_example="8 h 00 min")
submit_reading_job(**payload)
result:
10 h 06 min
